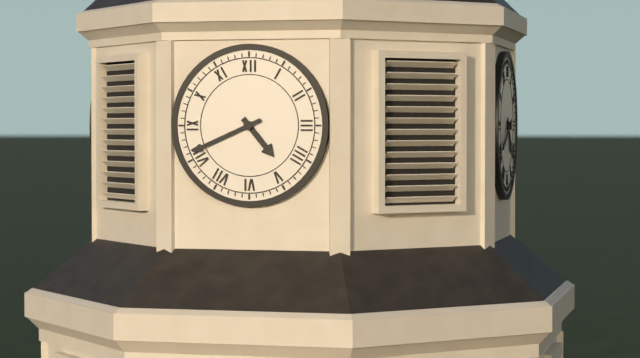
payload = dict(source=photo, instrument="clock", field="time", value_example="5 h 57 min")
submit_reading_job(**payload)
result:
4 h 41 min
